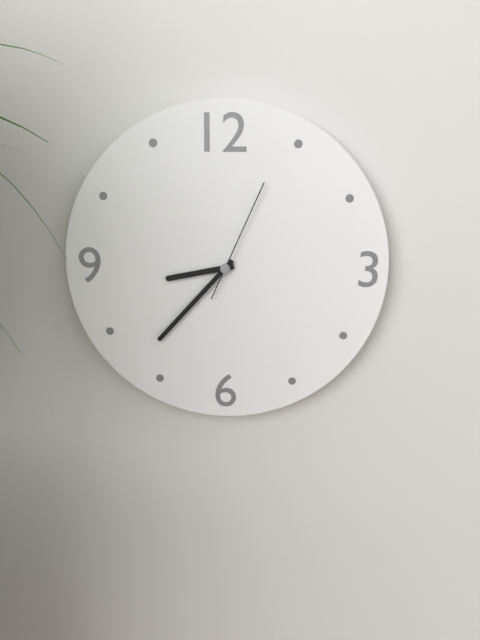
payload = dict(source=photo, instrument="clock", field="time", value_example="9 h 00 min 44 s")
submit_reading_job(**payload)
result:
8 h 37 min 04 s
